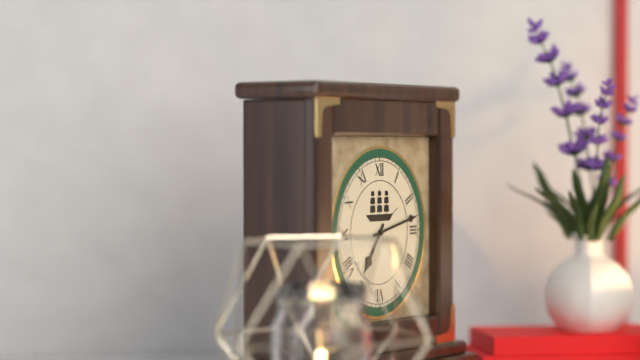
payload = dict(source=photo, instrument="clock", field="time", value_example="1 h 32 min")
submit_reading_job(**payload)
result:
7 h 13 min
